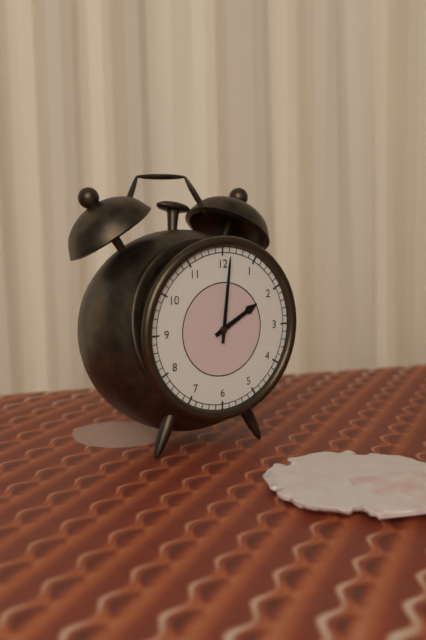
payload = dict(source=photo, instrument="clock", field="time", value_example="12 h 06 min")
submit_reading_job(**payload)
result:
2 h 01 min
